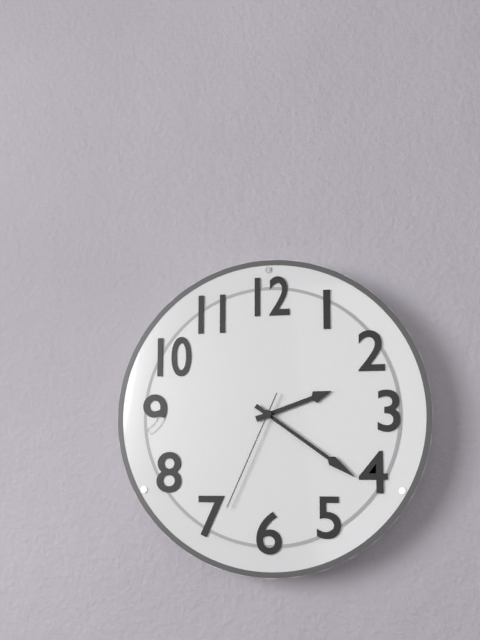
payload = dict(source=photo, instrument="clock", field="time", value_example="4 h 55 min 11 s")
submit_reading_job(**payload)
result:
2 h 21 min 34 s
